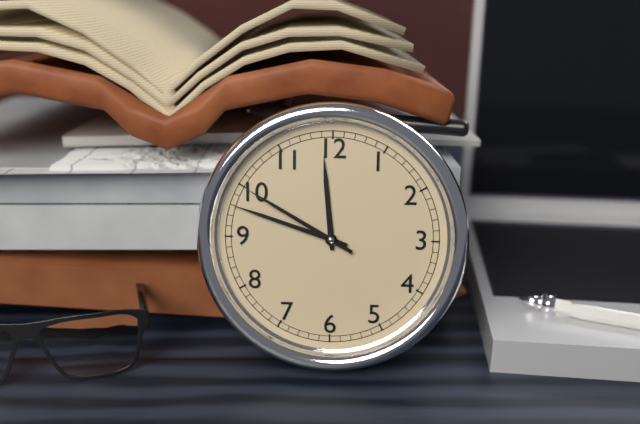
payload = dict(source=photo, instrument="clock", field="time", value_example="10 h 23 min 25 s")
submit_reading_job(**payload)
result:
11 h 48 min 50 s
